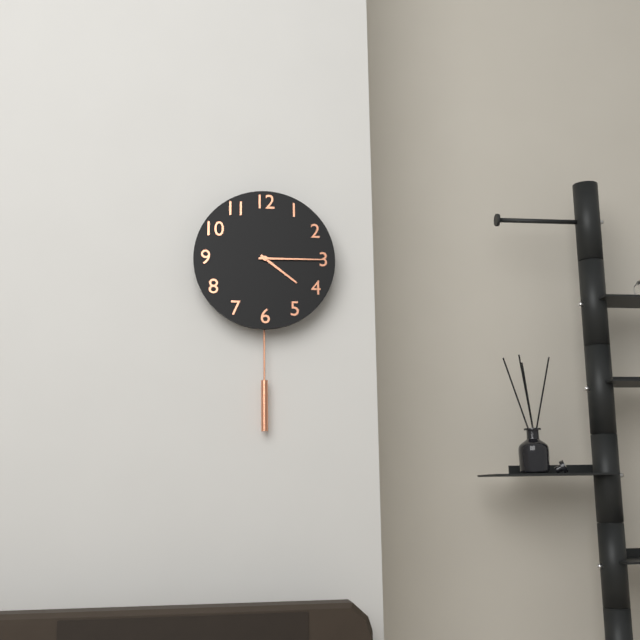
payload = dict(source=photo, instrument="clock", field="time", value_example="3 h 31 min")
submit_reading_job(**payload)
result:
4 h 15 min
